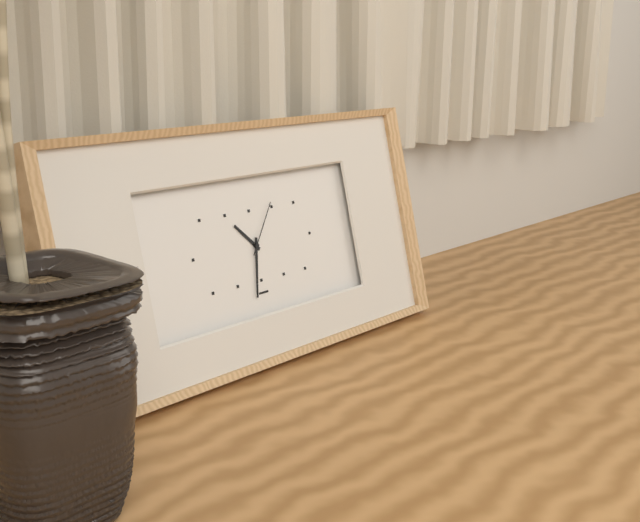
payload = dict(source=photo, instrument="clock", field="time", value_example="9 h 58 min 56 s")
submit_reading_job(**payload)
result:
10 h 32 min 06 s
